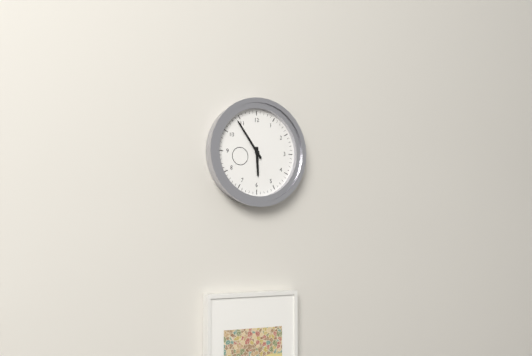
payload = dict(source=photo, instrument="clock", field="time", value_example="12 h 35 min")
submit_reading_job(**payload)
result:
5 h 54 min
